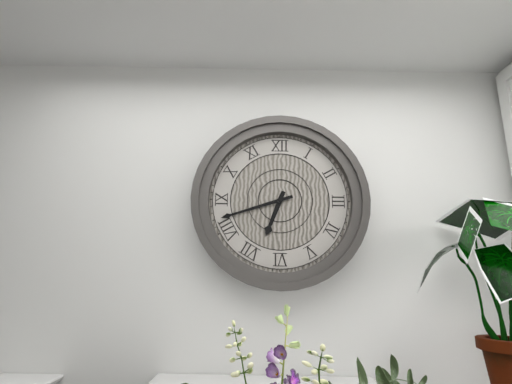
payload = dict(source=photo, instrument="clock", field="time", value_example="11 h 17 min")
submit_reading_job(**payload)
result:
6 h 42 min
